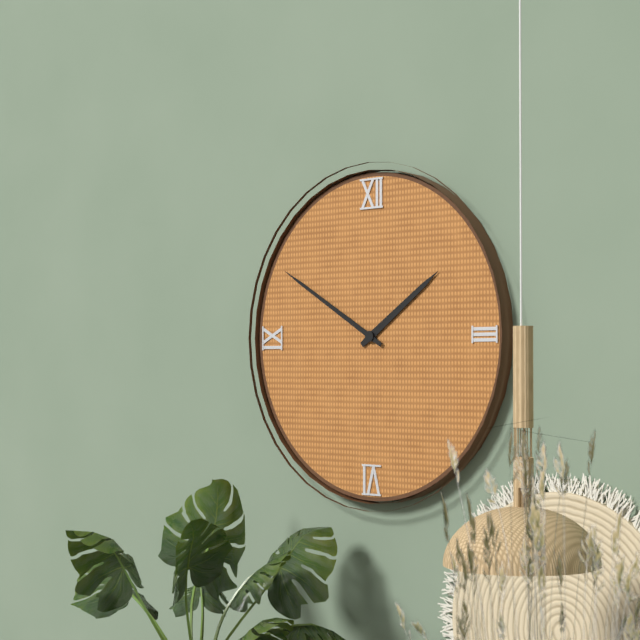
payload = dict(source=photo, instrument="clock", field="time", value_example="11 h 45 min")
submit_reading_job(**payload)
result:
1 h 50 min
